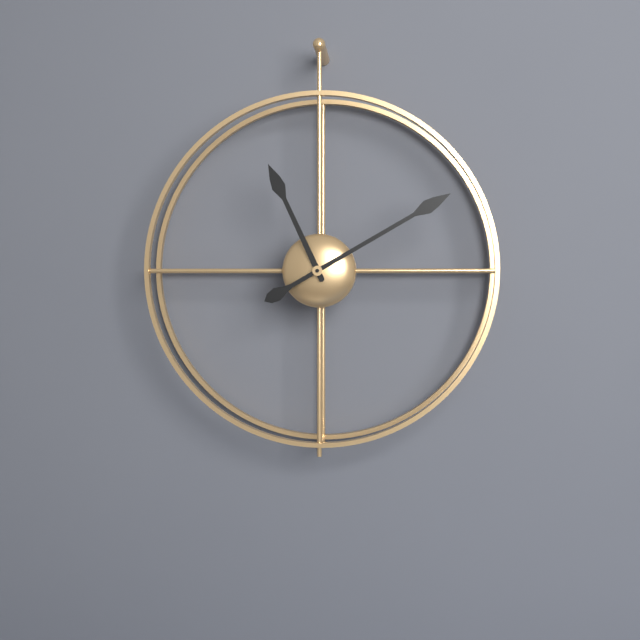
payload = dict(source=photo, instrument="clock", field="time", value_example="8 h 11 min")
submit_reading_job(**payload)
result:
11 h 10 min
